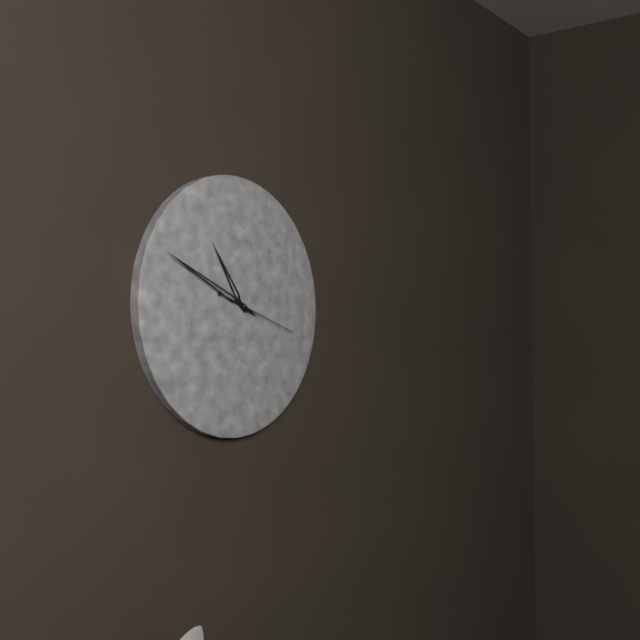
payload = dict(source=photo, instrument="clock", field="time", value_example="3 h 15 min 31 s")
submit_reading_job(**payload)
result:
10 h 49 min 18 s
